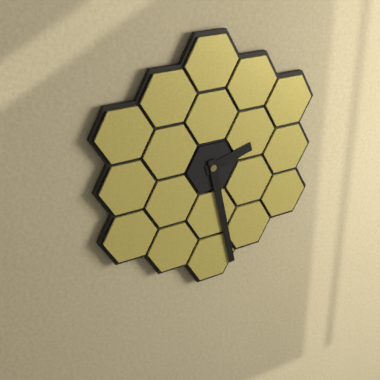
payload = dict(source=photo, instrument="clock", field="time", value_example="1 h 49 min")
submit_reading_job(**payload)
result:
2 h 28 min
